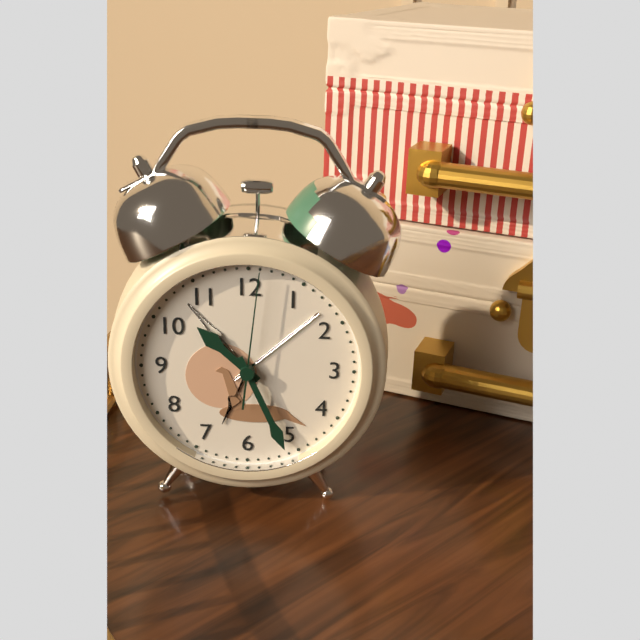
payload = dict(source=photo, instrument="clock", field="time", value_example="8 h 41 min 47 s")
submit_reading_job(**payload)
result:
10 h 26 min 01 s
